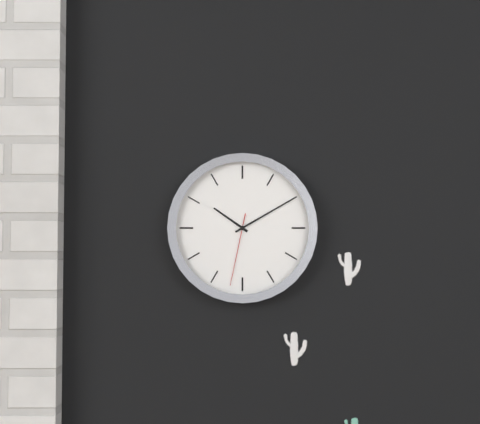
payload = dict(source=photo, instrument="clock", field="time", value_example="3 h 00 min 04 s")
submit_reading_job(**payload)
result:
10 h 10 min 32 s
